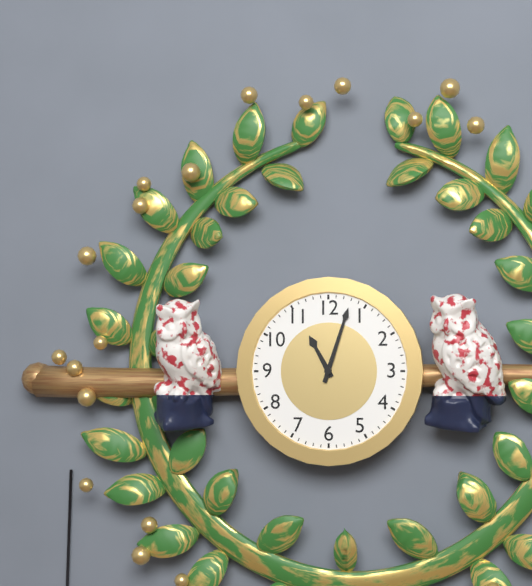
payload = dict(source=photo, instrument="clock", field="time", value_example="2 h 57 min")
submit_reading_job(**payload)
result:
11 h 03 min
